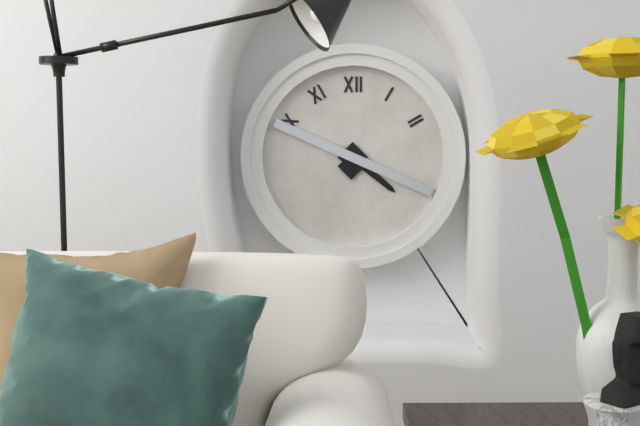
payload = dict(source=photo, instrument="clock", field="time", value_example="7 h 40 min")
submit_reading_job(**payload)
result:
4 h 19 min
